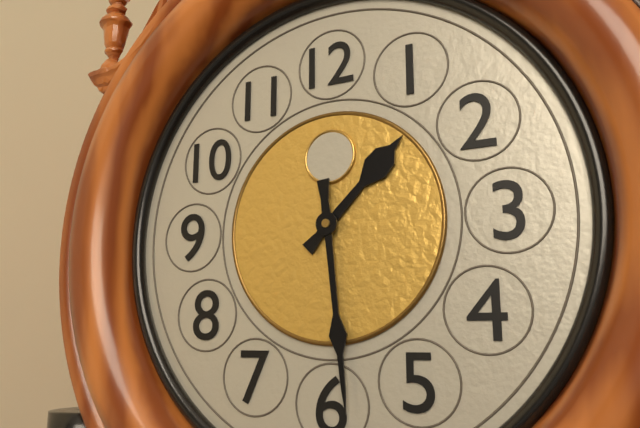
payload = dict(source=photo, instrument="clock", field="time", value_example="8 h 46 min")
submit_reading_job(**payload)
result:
1 h 29 min
